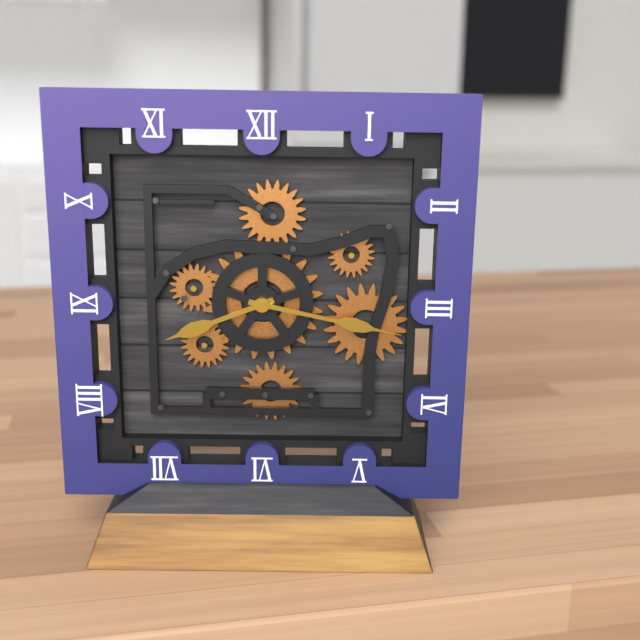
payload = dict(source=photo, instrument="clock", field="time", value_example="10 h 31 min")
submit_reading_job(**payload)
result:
8 h 17 min
